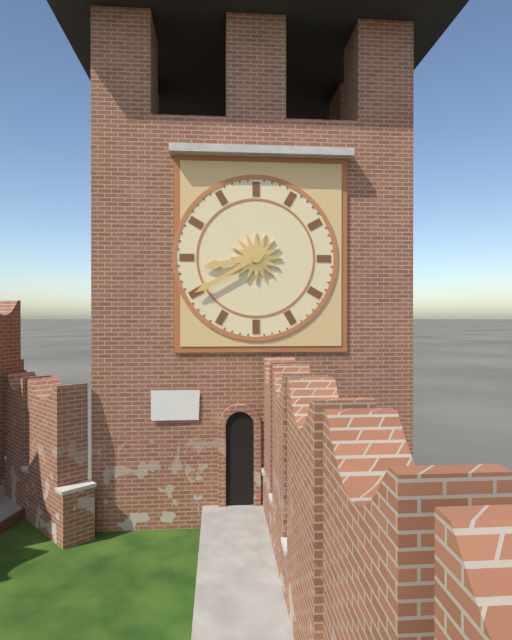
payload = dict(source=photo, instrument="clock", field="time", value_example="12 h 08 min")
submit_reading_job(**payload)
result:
8 h 40 min
